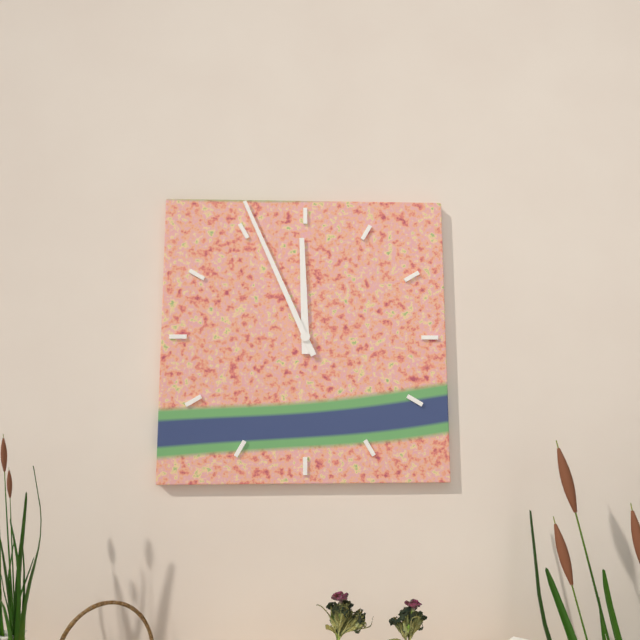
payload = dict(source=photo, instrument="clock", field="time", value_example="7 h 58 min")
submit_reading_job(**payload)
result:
11 h 56 min
